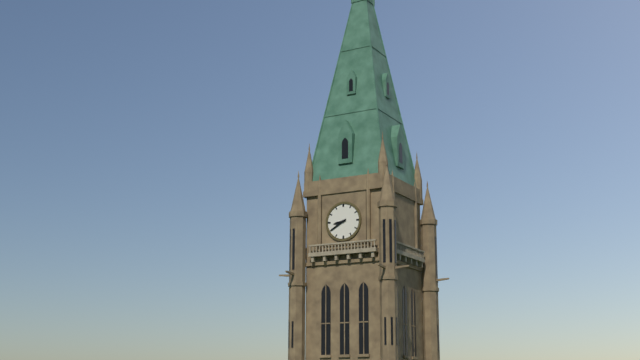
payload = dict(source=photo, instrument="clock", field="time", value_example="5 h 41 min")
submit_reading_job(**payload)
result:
8 h 40 min
